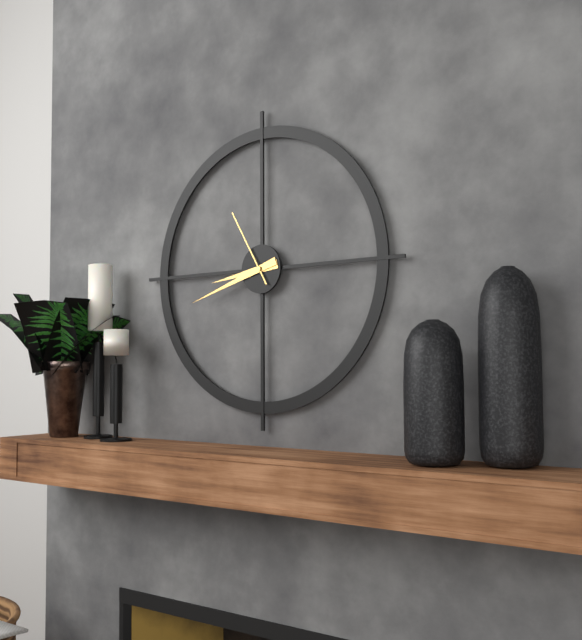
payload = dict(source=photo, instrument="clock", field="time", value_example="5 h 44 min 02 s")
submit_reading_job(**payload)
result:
8 h 42 min 55 s
